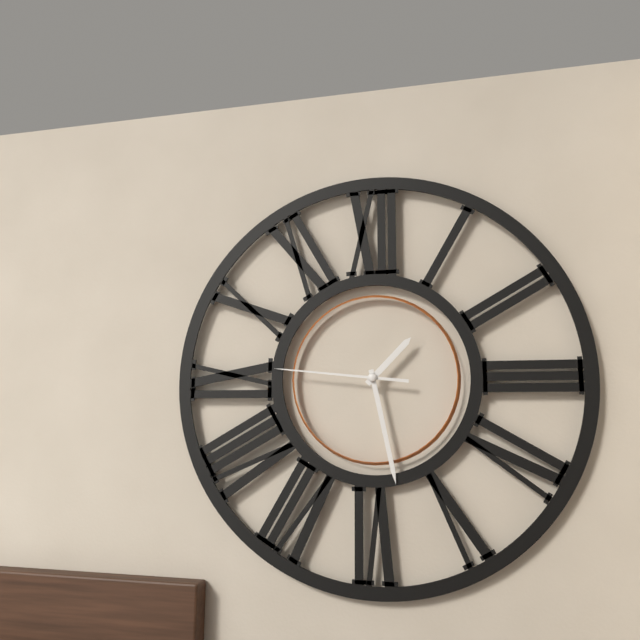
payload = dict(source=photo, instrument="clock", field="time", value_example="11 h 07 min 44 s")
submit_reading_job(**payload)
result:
1 h 28 min 46 s
